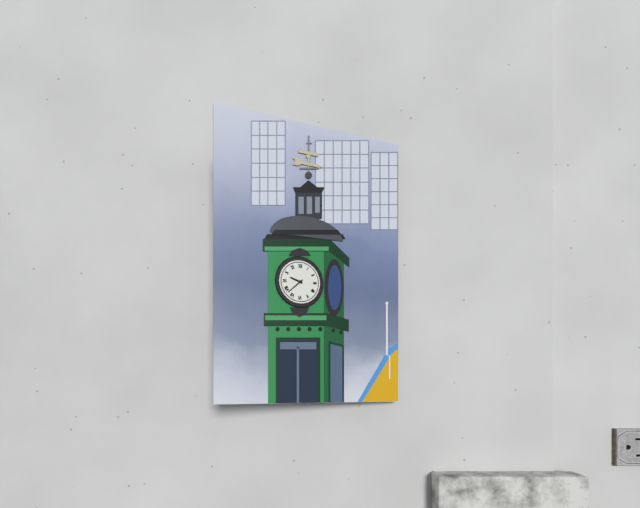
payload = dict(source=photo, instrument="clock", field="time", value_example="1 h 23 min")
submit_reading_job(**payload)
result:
9 h 38 min
